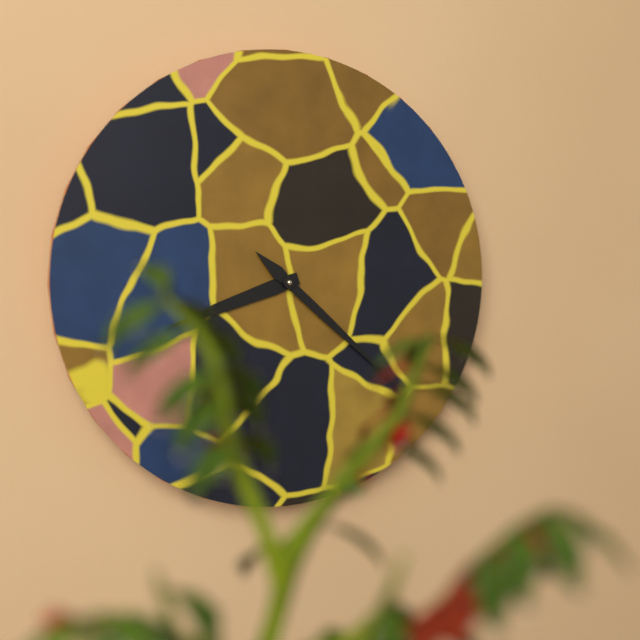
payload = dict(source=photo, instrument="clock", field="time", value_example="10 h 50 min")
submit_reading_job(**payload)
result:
8 h 22 min
